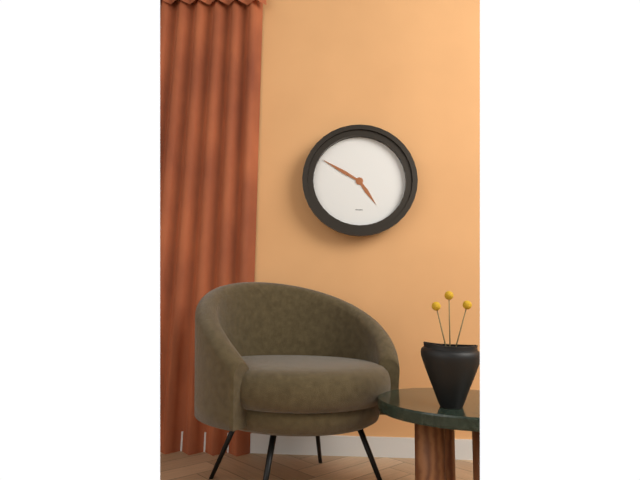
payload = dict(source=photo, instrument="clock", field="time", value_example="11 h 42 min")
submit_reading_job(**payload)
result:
4 h 50 min
